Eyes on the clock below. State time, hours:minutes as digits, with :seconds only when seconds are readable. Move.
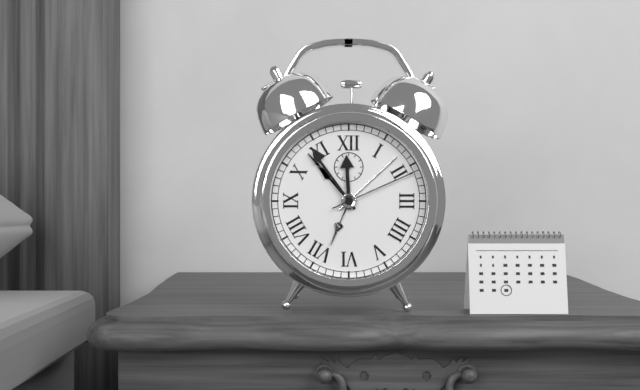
11:54:11
